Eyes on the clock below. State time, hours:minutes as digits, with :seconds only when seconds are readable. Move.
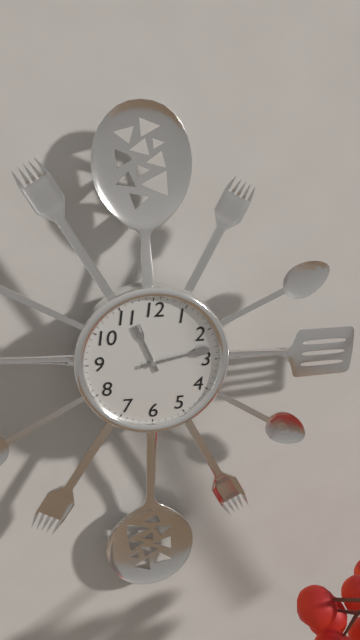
11:13
